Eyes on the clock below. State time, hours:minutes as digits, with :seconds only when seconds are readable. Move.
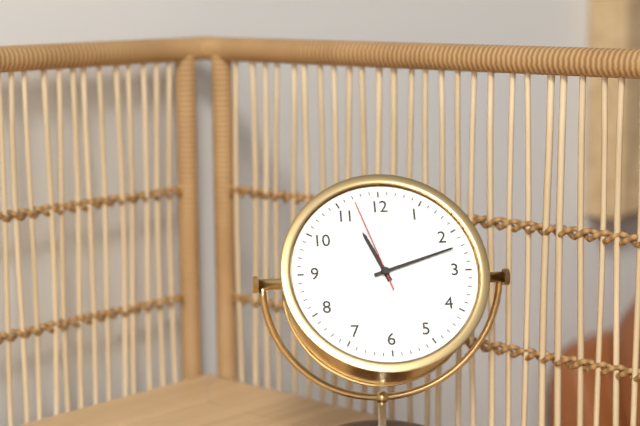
11:12:57
